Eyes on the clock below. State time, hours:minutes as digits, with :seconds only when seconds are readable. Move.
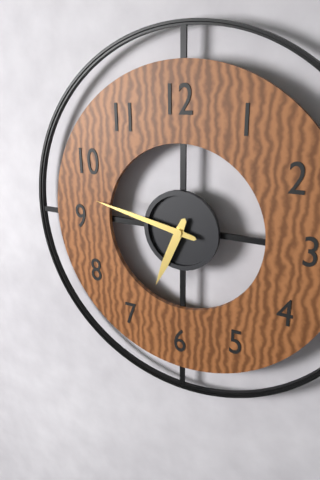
6:47
